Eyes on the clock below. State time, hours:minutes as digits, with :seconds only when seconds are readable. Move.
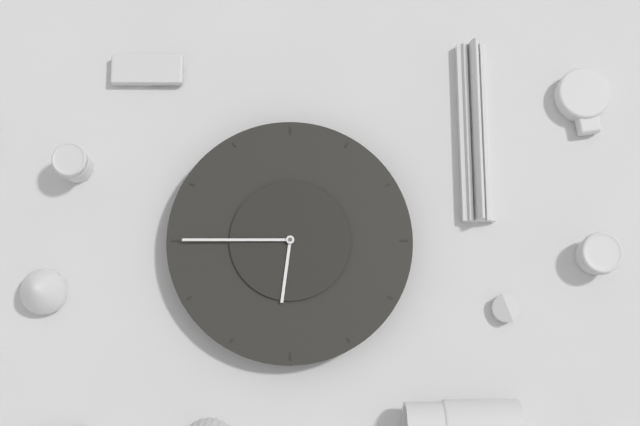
12:15
